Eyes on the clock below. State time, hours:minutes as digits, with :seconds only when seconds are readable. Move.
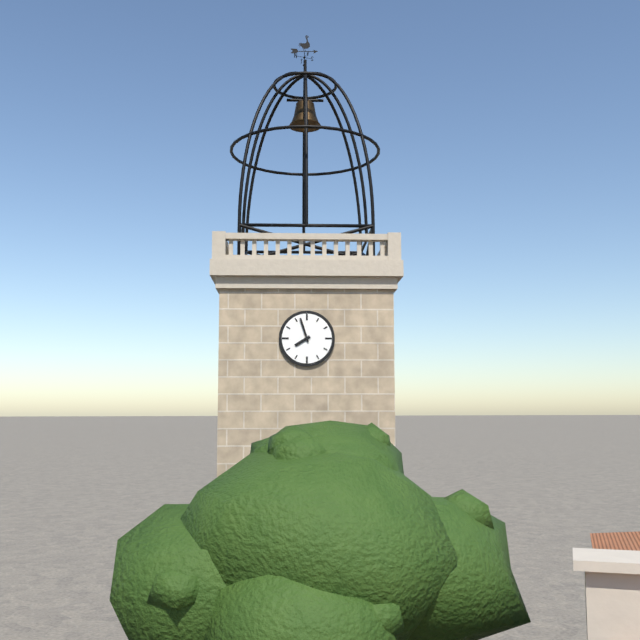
7:57
